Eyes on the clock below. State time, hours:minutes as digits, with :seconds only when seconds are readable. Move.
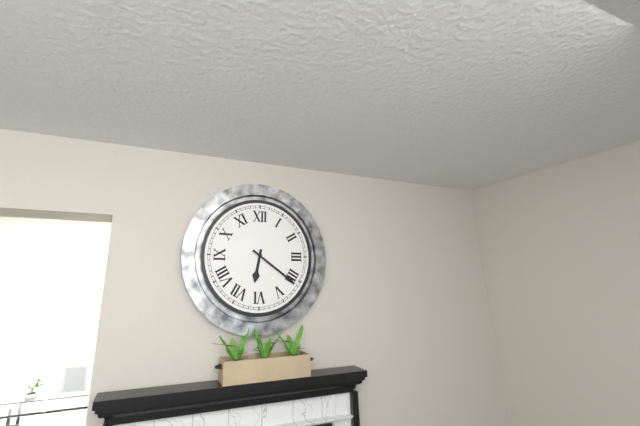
6:21
